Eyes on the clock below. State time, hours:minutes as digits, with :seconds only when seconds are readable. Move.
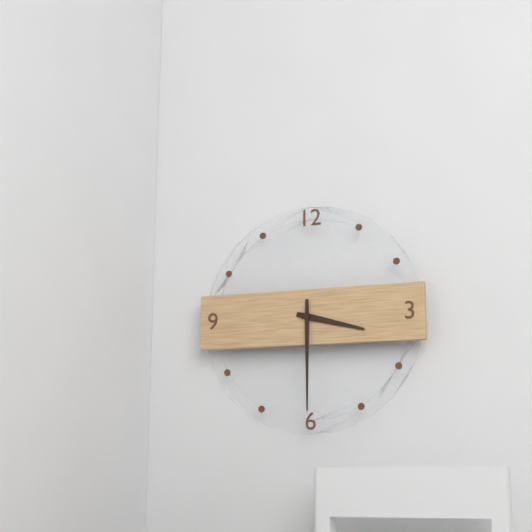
3:30
